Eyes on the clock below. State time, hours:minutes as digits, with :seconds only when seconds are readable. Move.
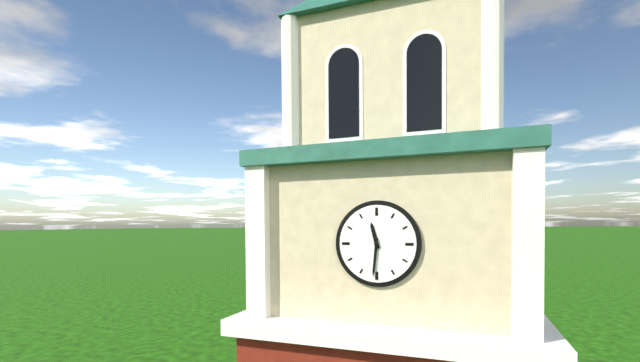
11:31
